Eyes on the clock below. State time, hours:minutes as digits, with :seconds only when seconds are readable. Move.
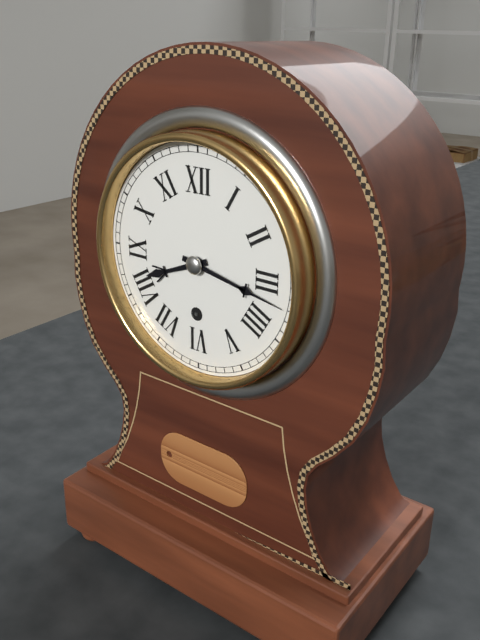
8:17
